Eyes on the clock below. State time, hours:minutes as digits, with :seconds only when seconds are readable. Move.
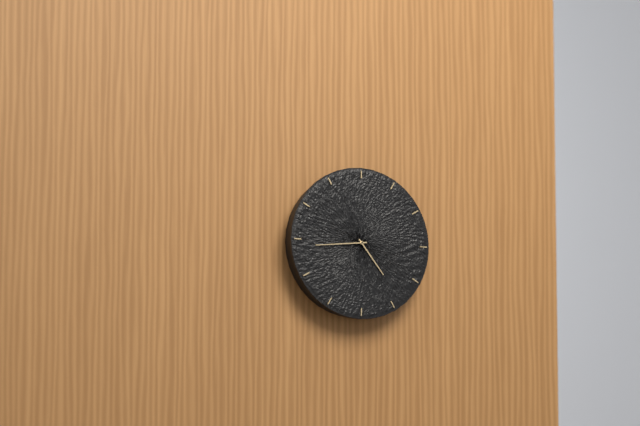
4:44
